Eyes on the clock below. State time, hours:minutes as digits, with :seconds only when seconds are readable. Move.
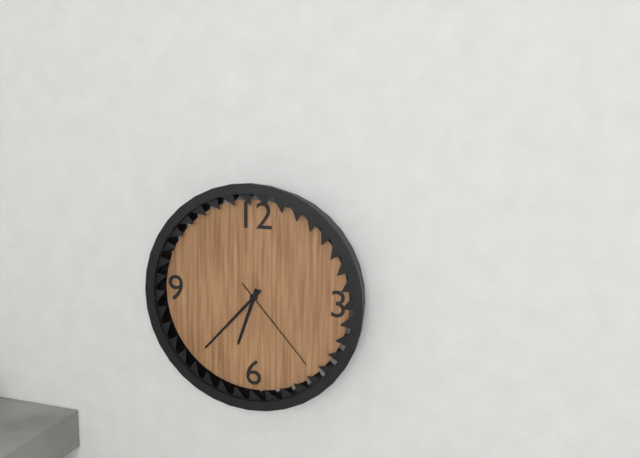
6:37:23
